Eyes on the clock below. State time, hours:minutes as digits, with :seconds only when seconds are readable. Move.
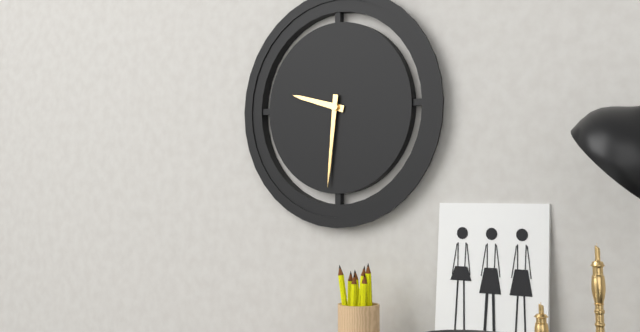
9:31
